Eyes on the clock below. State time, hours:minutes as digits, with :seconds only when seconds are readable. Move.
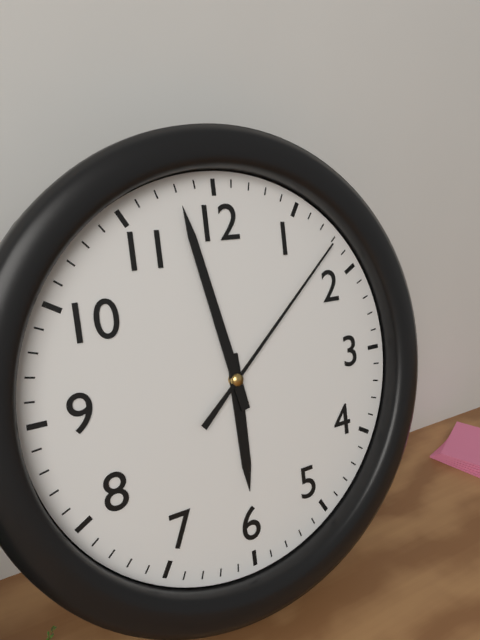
5:58:08
